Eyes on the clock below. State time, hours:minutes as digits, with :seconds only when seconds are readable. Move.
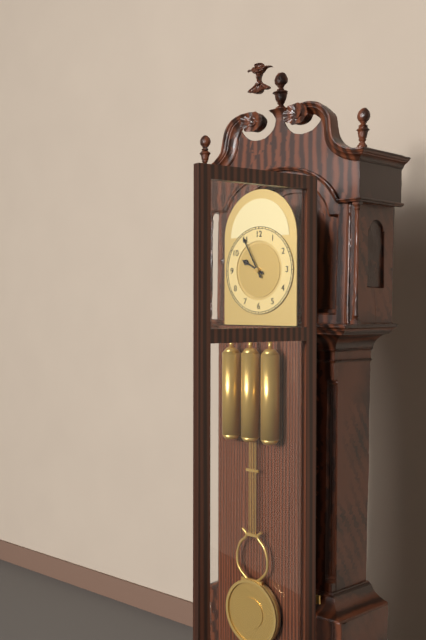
9:55
